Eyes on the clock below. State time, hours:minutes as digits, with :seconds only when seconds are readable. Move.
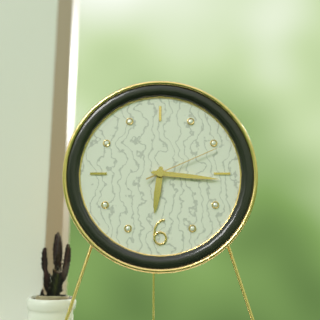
6:16:11
